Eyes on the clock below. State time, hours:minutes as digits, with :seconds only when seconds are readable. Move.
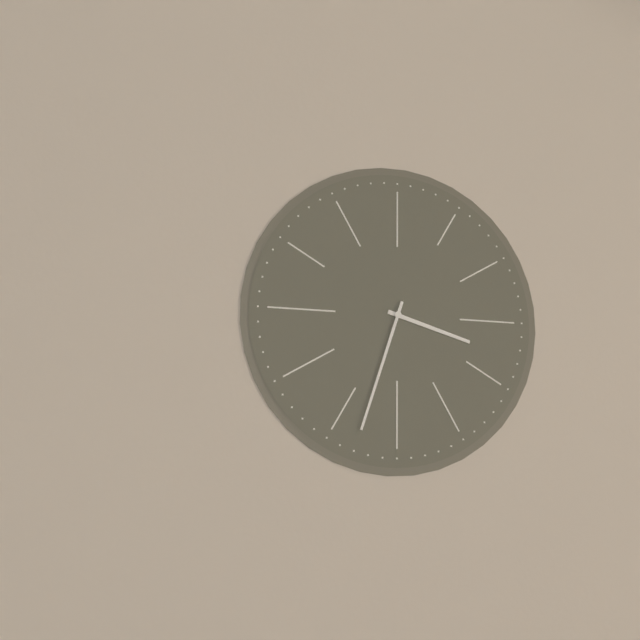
3:33
